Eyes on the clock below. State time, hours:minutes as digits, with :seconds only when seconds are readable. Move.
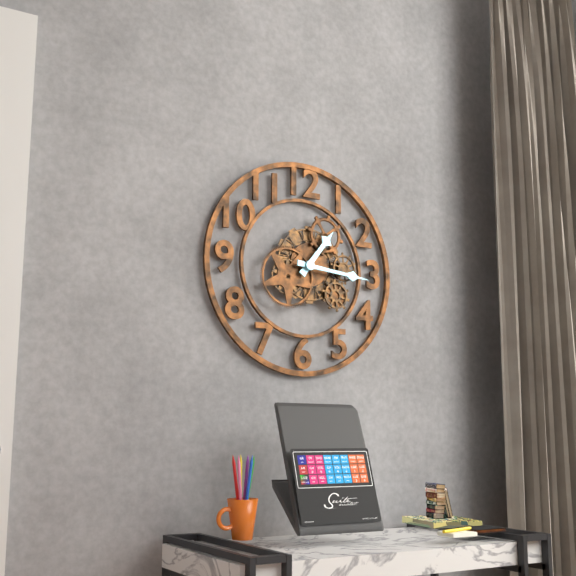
1:16
